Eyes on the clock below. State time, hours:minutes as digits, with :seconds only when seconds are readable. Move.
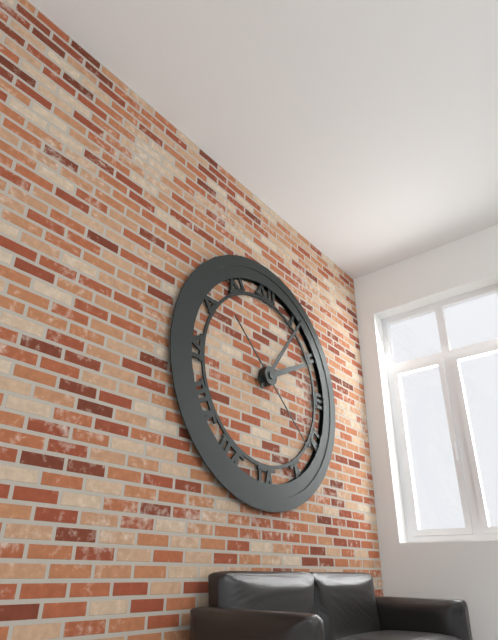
2:06:22
